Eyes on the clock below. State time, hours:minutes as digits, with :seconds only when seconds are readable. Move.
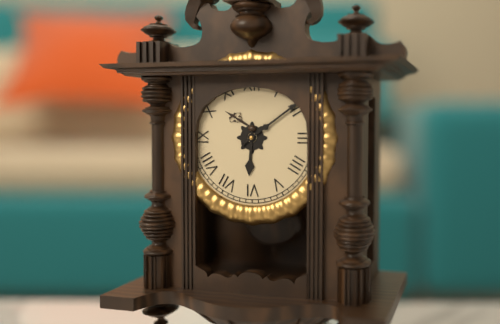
6:09
